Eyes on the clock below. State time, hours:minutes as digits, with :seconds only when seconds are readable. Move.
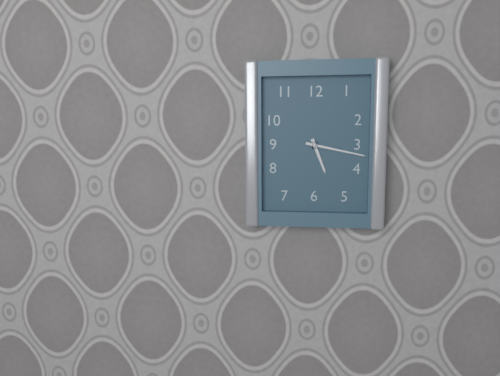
5:17
